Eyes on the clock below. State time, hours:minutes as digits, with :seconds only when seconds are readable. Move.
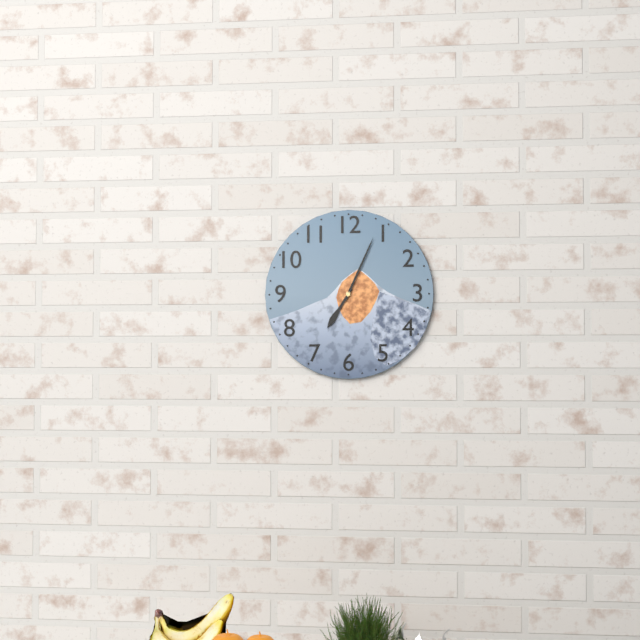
7:04
